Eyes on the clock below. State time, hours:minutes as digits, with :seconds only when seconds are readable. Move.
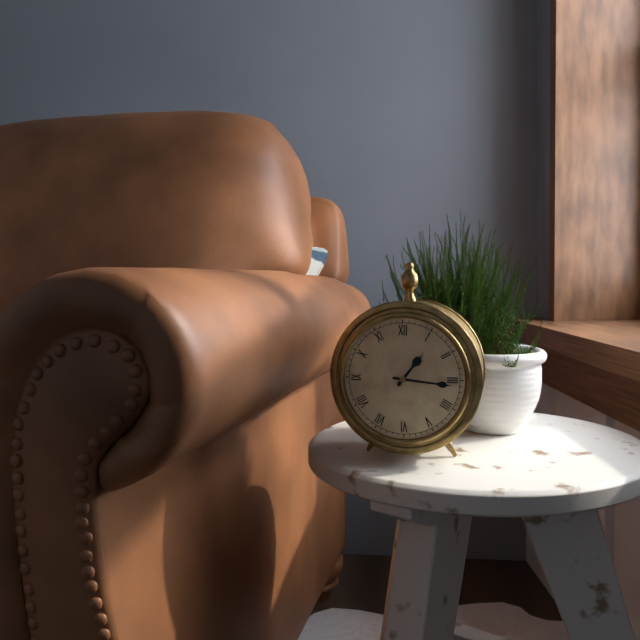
1:16
